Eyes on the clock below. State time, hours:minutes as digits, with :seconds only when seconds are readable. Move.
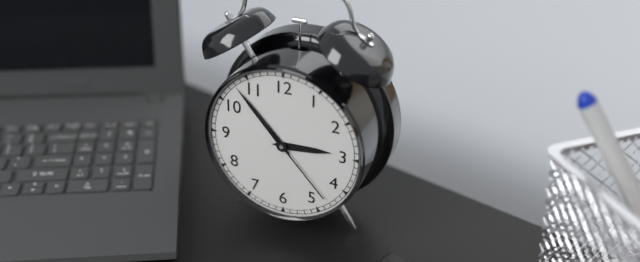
2:53:23
